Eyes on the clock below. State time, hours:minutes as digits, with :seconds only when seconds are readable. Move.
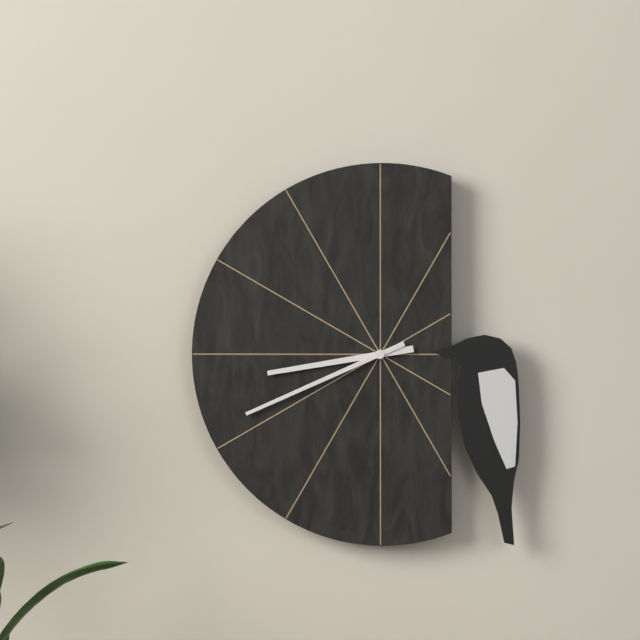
8:41
